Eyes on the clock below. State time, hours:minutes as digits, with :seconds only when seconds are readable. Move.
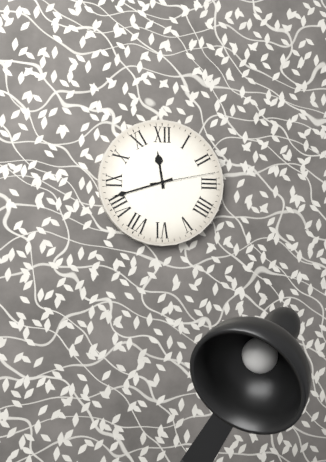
11:42:13
